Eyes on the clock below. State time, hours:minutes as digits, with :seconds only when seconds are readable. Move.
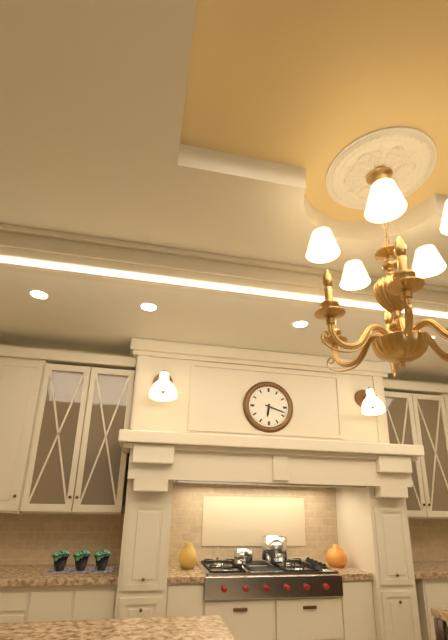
6:18
